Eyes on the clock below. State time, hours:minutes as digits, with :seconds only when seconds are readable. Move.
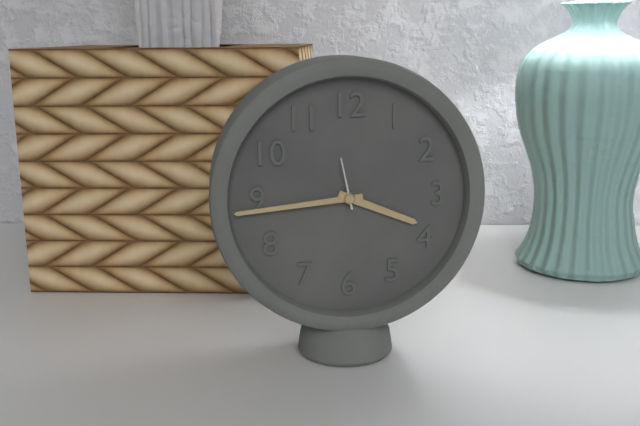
3:44:58
